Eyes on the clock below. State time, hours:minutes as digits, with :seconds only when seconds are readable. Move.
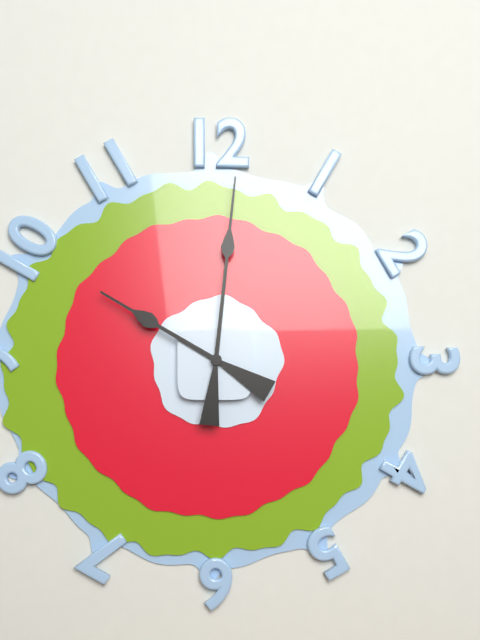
10:01
